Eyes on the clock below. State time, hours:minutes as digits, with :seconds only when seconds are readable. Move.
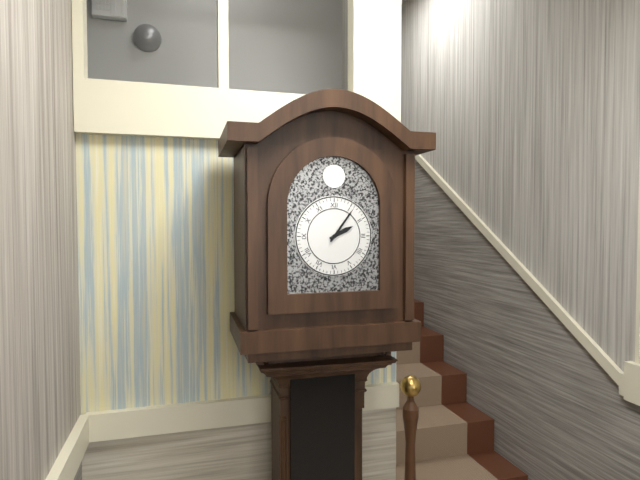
2:06
